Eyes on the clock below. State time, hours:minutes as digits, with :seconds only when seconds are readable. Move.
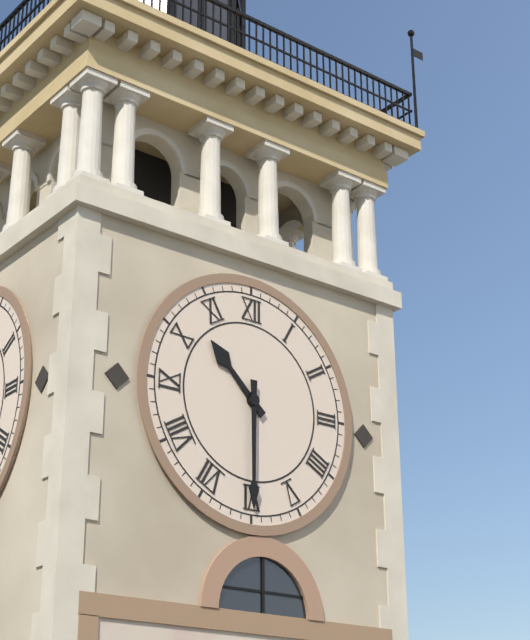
10:30
